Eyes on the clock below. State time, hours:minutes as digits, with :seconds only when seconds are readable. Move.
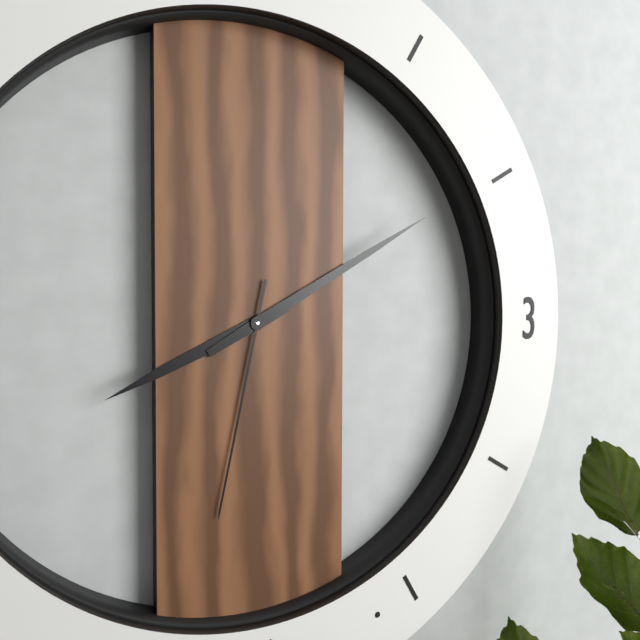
8:10:32
